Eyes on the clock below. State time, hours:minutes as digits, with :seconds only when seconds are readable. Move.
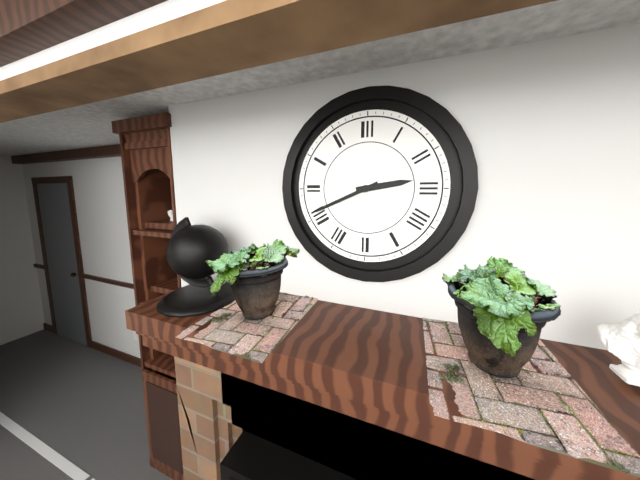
2:41
